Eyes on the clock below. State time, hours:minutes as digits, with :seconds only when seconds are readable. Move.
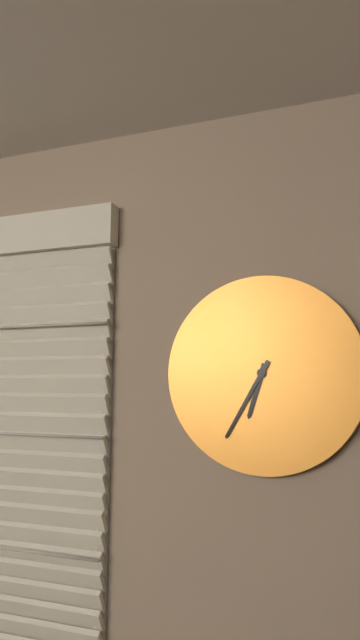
6:35
